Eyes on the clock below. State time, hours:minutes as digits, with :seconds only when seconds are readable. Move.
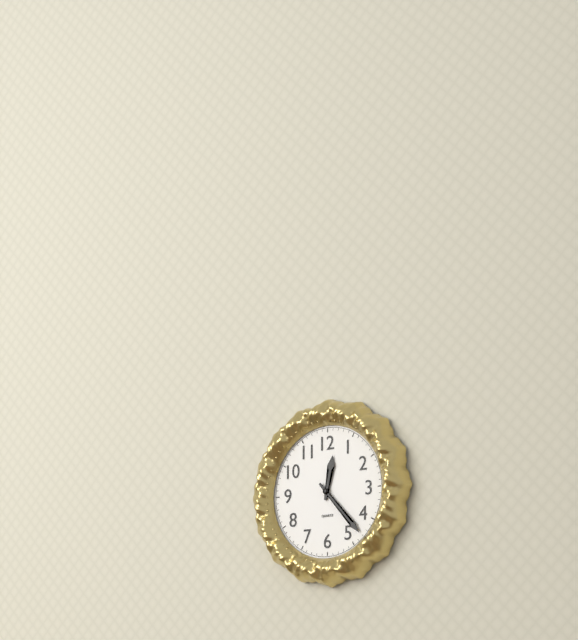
12:23
